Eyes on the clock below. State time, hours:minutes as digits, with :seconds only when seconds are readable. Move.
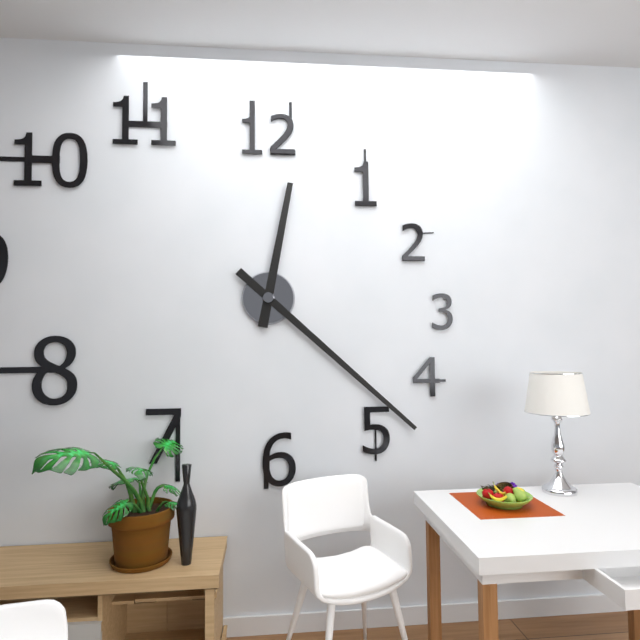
12:22
